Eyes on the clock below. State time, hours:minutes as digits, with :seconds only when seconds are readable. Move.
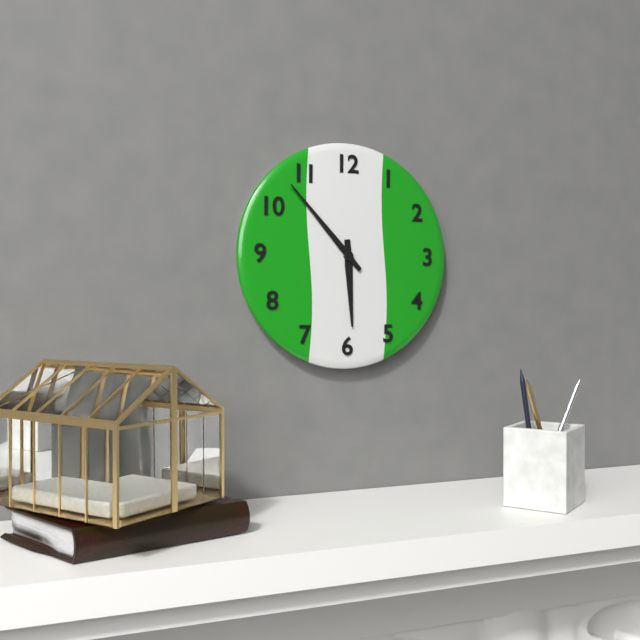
5:53
